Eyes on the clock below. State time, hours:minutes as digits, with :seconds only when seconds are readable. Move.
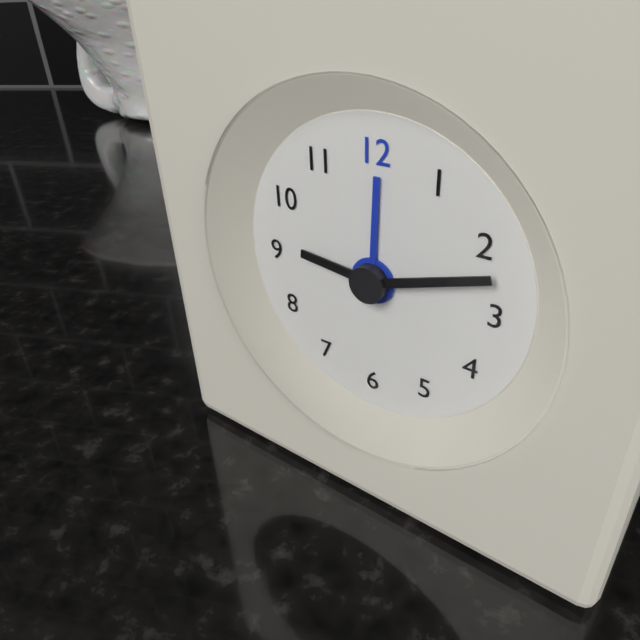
9:12
